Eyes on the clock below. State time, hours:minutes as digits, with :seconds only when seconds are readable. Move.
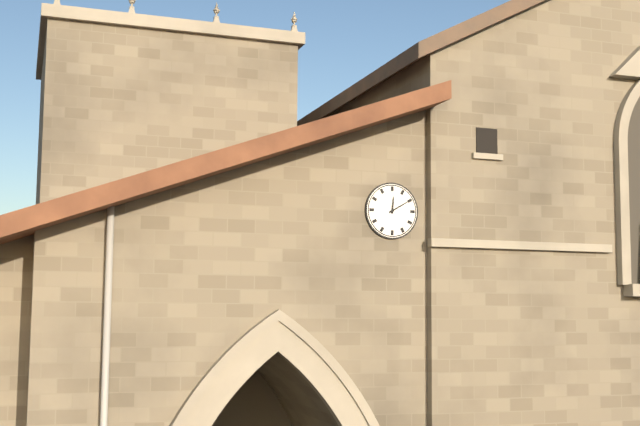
12:10
